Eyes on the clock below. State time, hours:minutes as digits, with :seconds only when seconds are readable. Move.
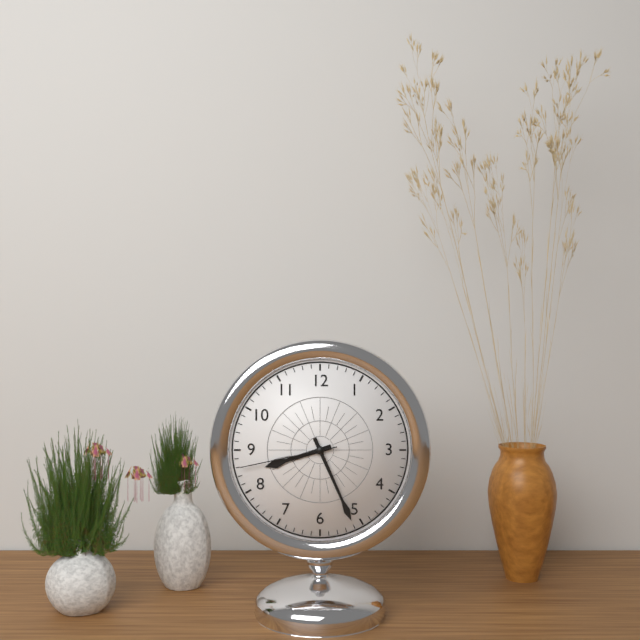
8:26:43
